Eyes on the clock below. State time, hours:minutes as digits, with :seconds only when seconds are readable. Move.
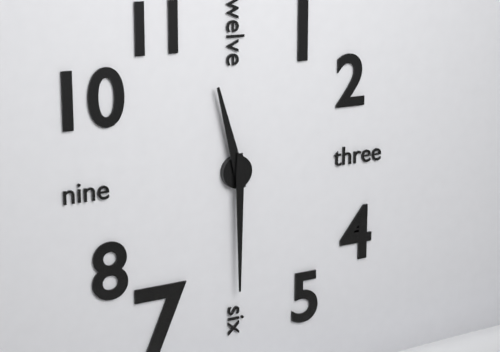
11:30
